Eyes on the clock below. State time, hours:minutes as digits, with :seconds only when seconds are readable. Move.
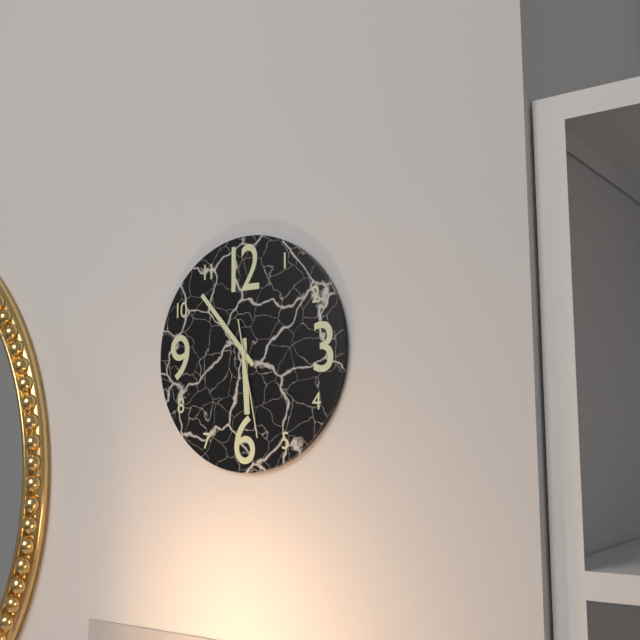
5:53:28
